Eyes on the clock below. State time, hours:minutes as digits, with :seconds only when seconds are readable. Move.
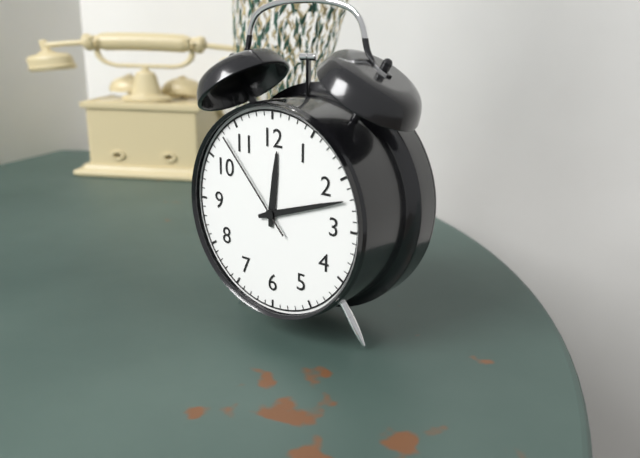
12:12:53
